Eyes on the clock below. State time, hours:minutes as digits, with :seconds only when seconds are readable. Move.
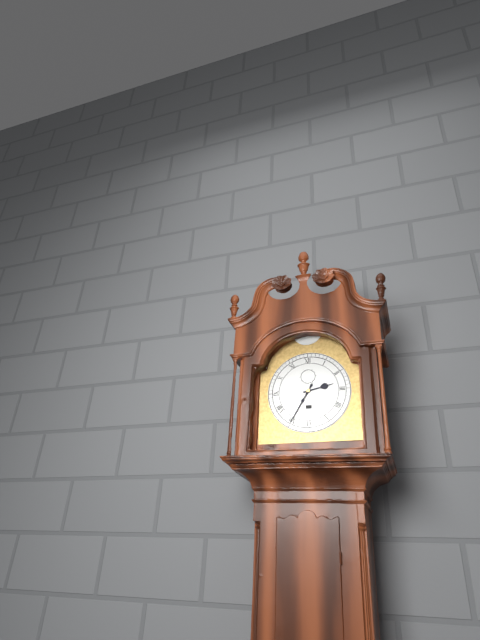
2:35
